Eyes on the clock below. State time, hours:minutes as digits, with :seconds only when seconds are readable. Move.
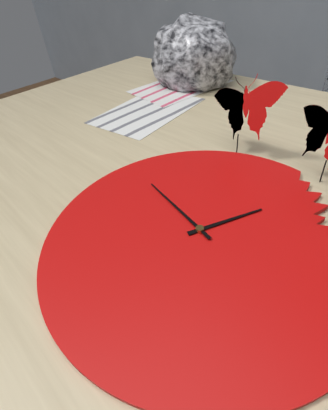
12:47
